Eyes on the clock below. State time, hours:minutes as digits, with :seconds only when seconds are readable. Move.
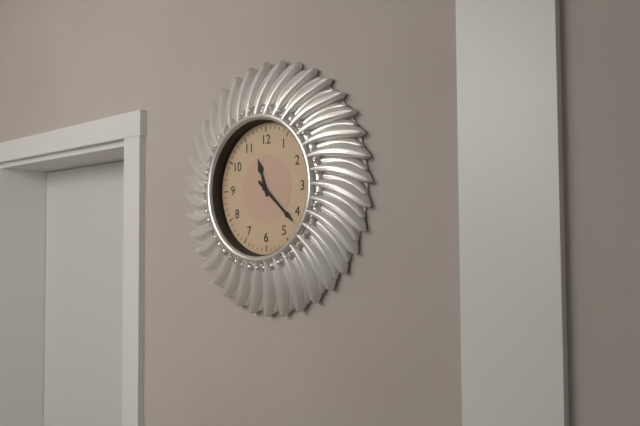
11:22
